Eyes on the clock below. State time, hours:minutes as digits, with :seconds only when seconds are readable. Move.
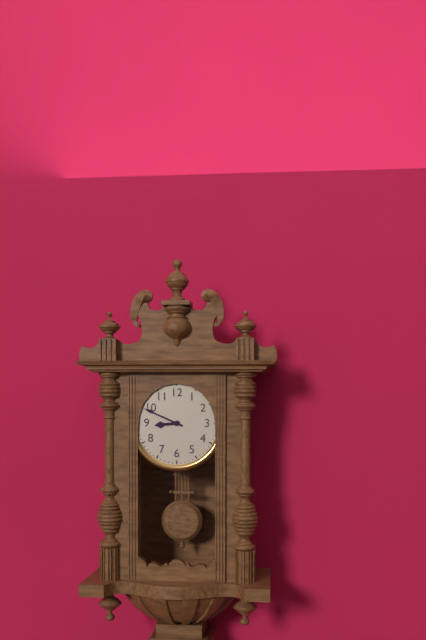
8:49
